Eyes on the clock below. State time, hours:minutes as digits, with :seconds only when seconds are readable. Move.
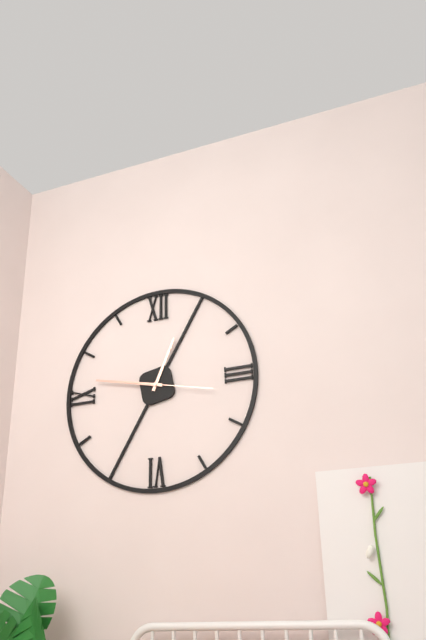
12:47:17
